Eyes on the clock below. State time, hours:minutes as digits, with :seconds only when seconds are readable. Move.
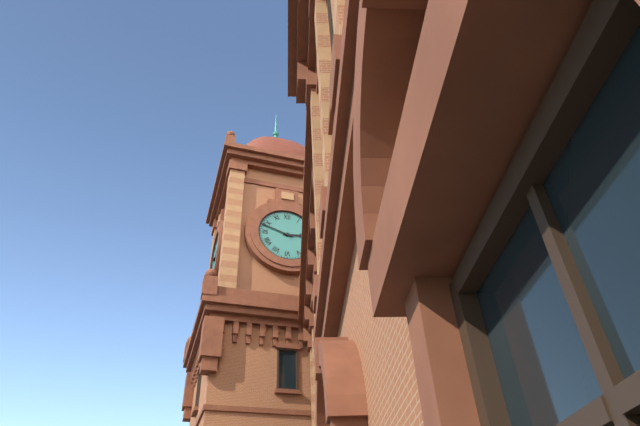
2:48
